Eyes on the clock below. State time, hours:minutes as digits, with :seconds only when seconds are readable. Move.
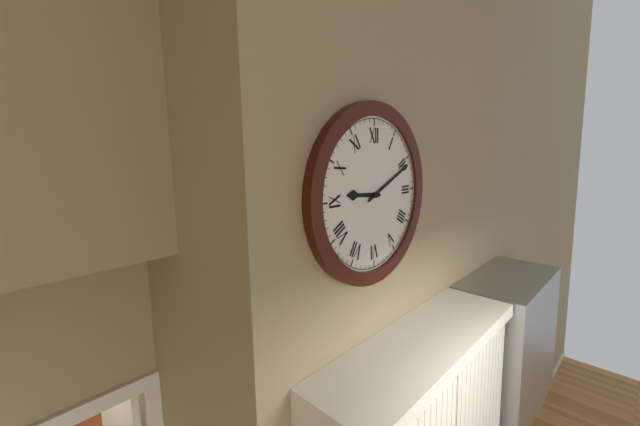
9:11
